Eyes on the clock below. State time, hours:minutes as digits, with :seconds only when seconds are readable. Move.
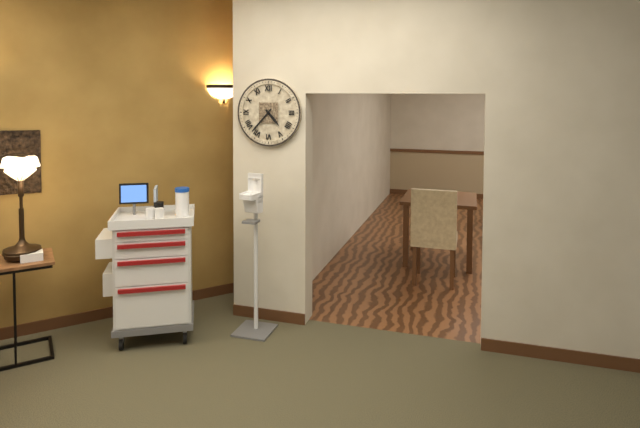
4:37
